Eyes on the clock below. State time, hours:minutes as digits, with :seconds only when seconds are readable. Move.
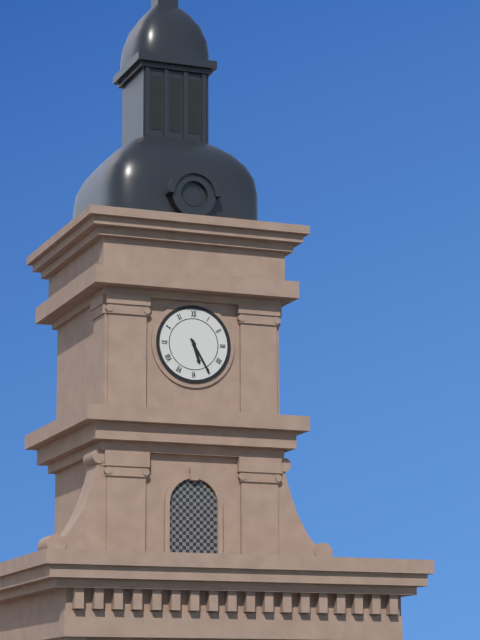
5:25
